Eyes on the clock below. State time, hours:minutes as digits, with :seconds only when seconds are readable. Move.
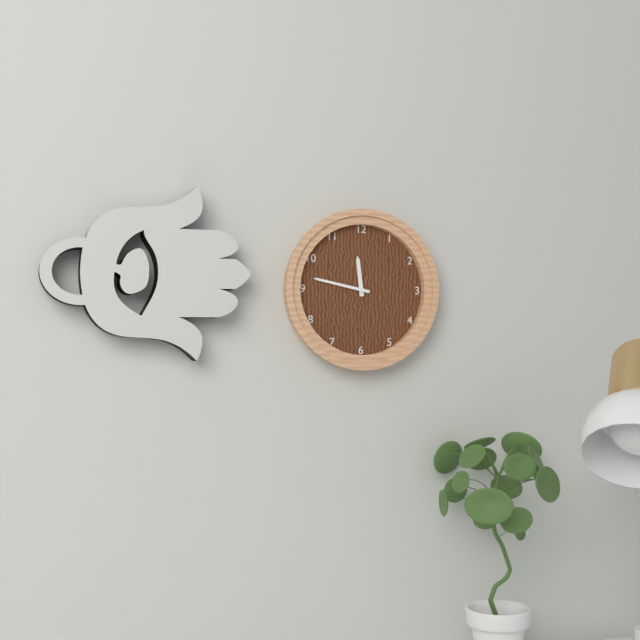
11:47
